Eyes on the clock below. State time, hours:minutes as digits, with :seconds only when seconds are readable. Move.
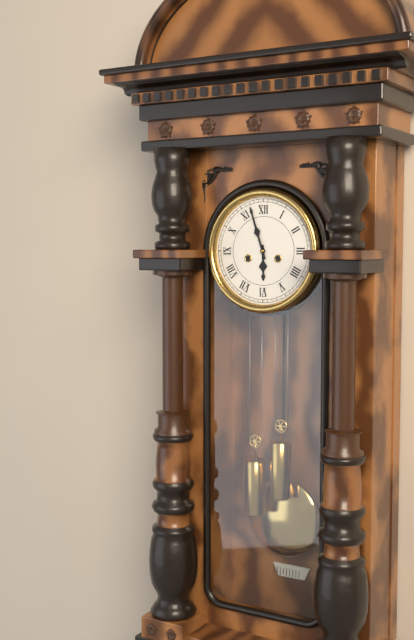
5:57
